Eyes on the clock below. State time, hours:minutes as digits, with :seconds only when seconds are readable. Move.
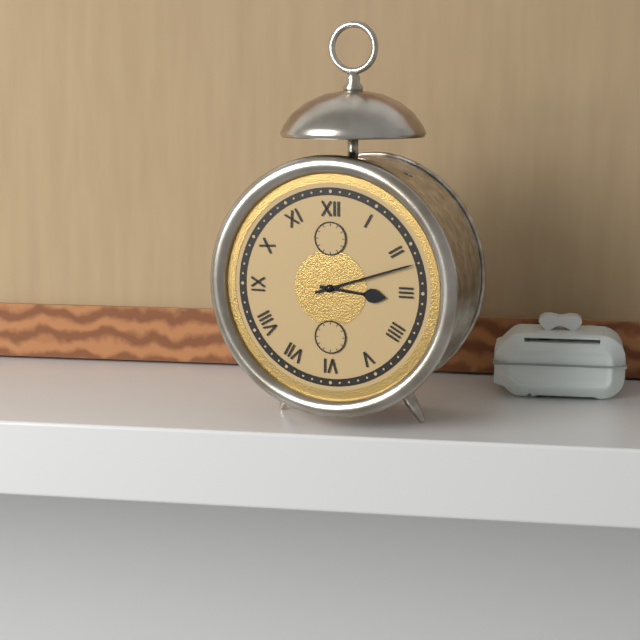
3:12
